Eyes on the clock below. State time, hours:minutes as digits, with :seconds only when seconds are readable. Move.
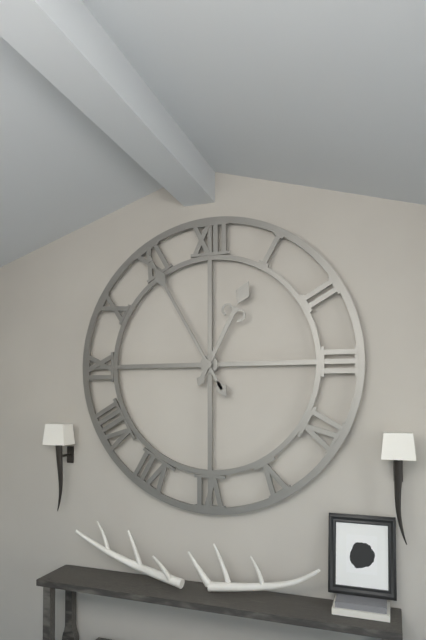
12:55
